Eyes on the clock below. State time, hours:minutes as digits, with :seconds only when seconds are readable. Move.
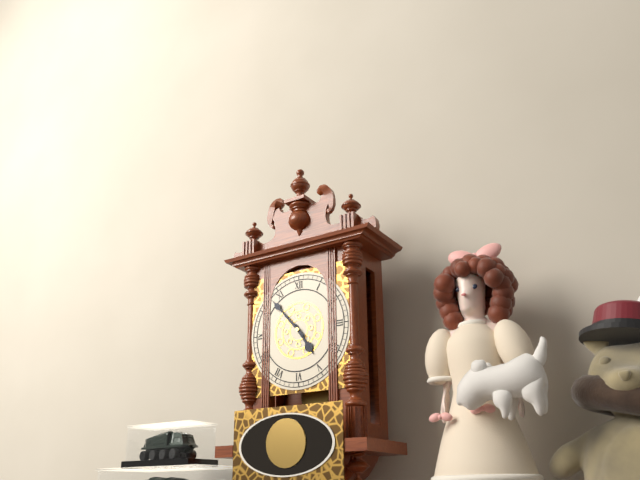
4:53
